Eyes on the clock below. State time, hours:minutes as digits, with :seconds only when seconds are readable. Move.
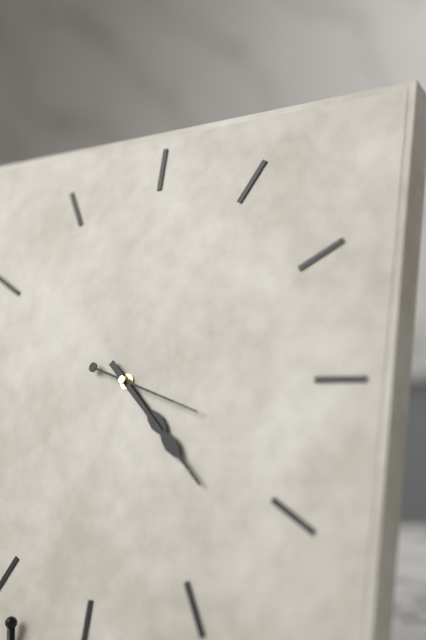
4:22:18
